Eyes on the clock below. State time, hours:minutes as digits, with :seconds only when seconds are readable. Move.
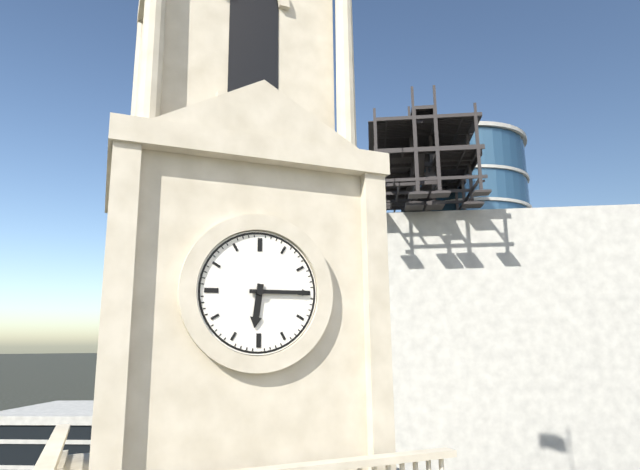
6:15
